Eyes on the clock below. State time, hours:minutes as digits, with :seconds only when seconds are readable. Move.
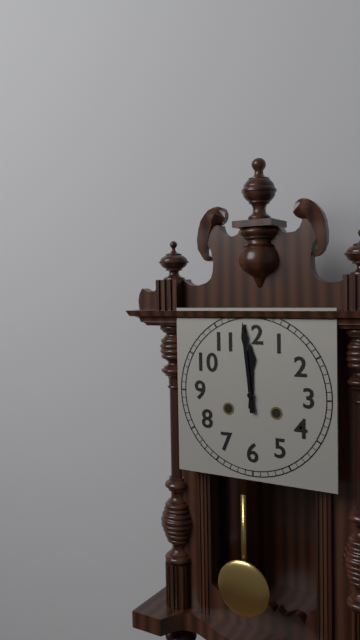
11:59
